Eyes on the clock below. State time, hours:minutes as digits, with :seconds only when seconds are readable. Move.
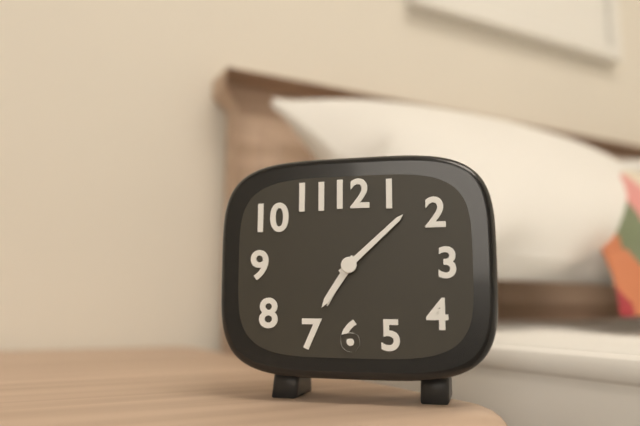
7:08
